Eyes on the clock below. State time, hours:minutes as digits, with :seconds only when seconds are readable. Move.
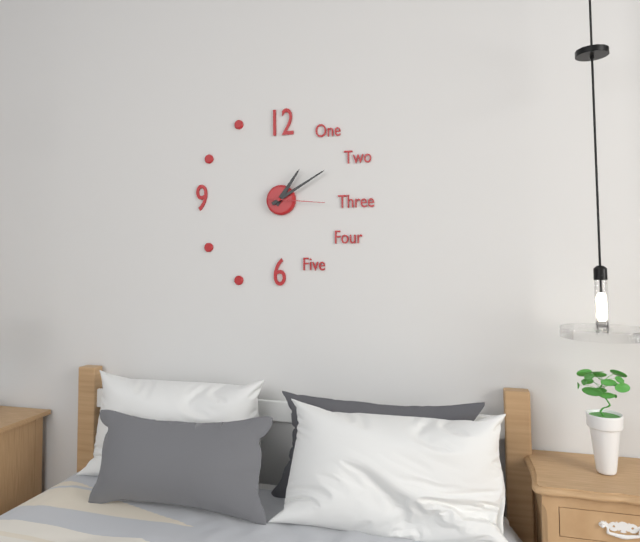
1:10:16
